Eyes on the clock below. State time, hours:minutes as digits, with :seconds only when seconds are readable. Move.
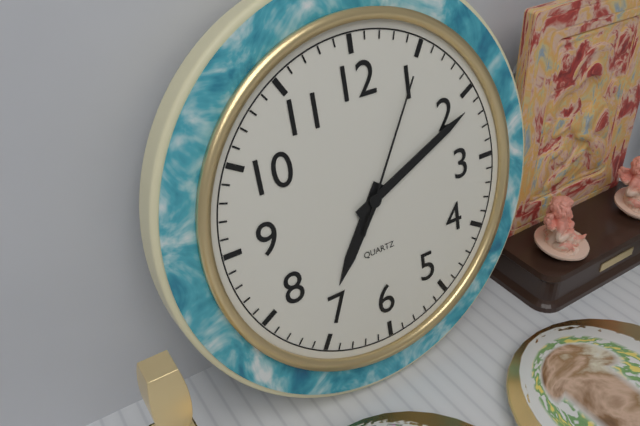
7:11:05
